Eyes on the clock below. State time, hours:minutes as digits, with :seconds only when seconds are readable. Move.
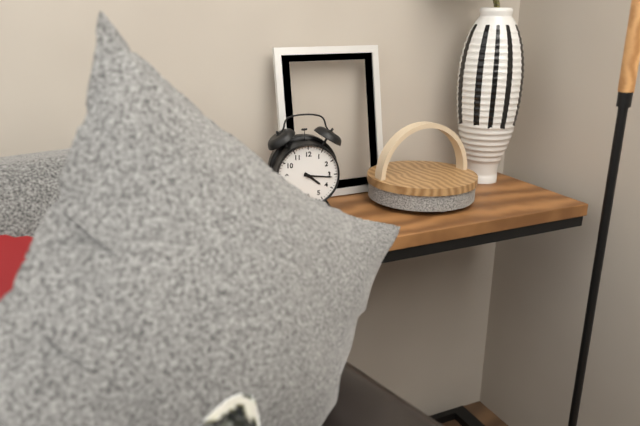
4:16
